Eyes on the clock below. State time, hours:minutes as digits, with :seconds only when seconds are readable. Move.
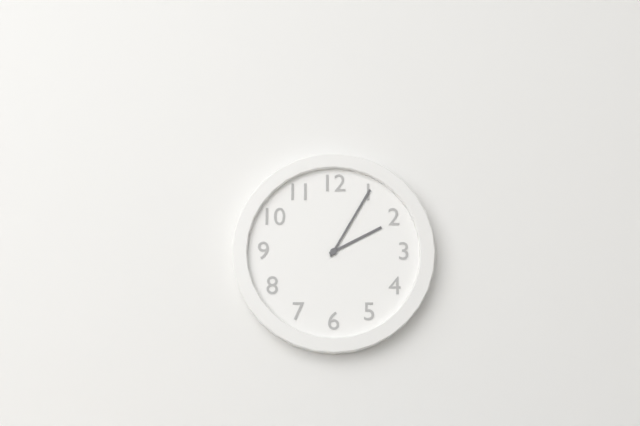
2:05
